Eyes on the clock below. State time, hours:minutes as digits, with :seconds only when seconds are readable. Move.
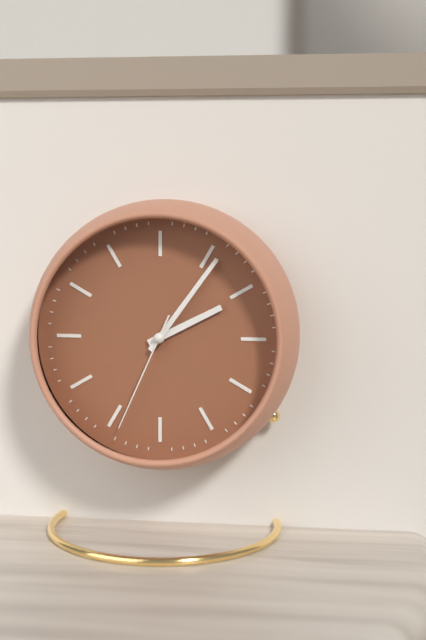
2:06:34
